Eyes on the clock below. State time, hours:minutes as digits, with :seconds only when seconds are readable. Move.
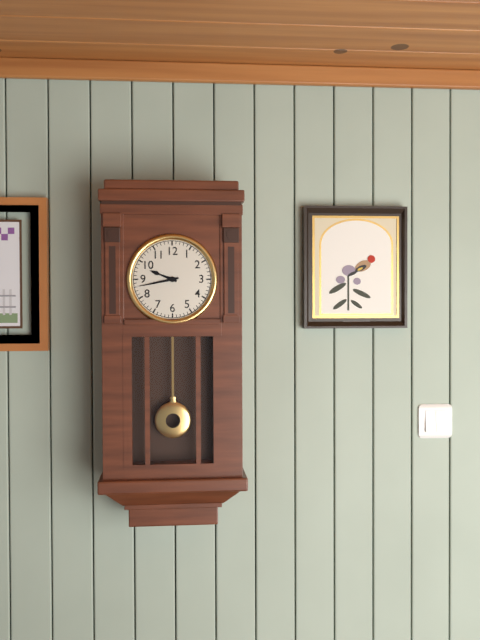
9:43
